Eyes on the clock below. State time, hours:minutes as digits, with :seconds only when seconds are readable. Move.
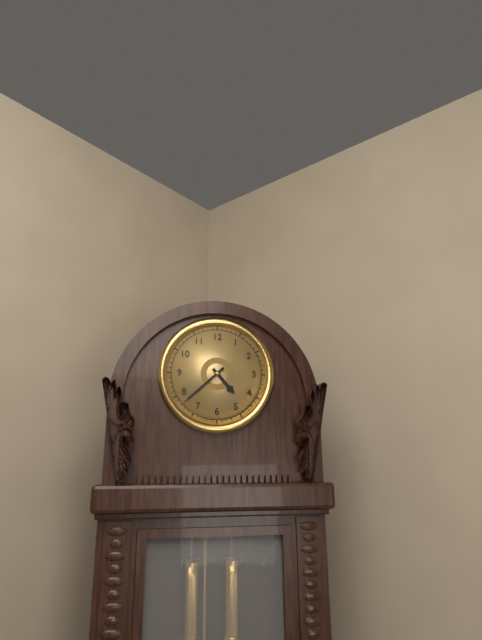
4:38
